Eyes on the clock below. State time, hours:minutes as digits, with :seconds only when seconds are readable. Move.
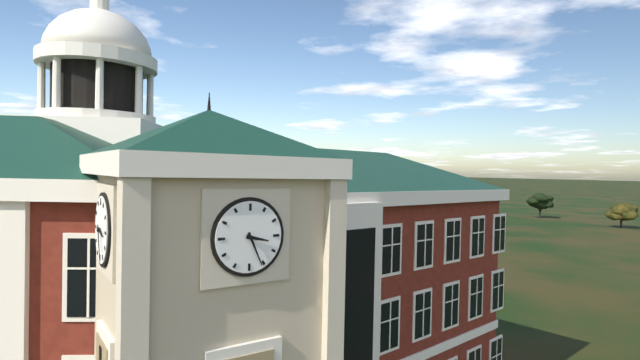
3:26
